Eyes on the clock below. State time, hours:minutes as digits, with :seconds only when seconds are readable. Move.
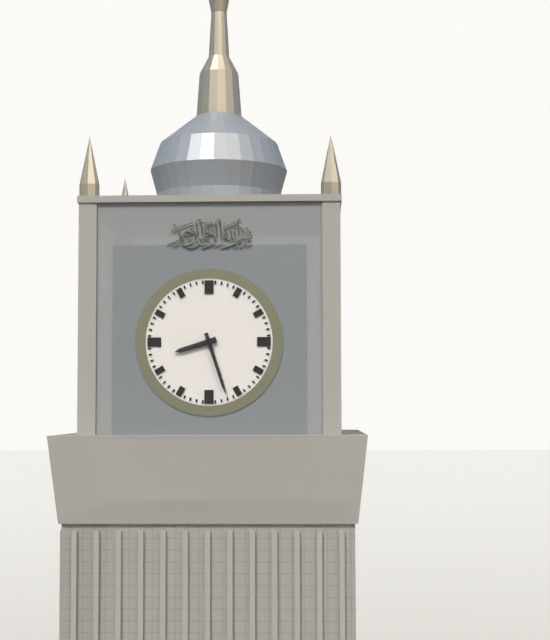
8:27
